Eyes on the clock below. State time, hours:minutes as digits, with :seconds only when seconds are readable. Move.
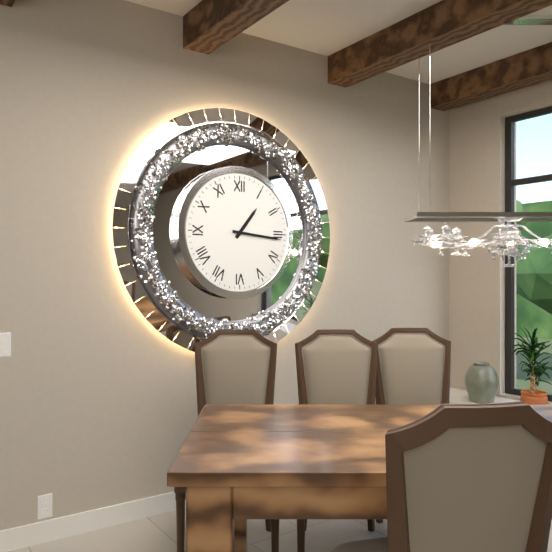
1:16
